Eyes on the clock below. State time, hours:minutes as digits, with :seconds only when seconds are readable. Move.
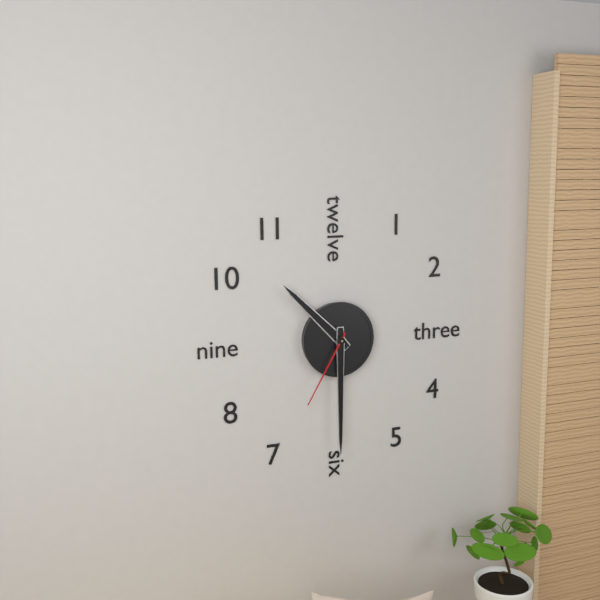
10:30:35
